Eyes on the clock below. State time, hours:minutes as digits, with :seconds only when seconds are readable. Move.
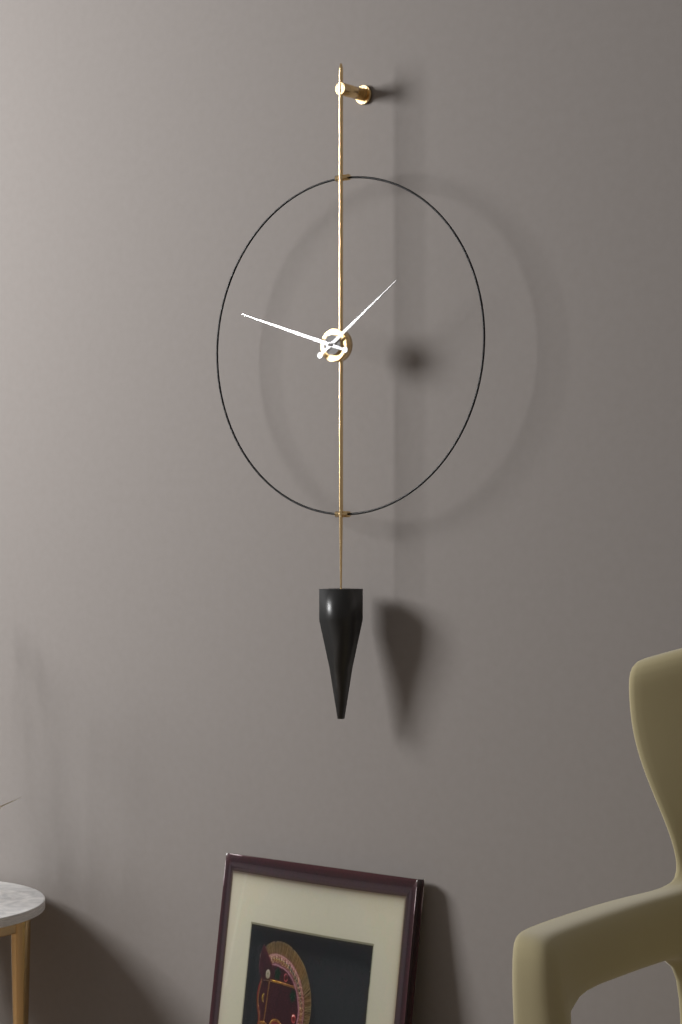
1:48
